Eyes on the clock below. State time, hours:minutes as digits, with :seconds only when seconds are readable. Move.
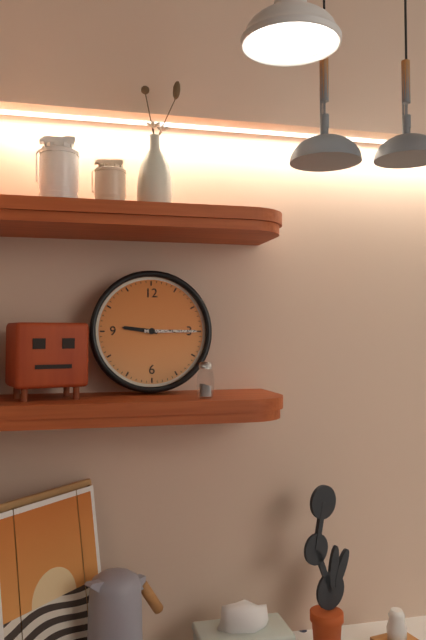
9:15
